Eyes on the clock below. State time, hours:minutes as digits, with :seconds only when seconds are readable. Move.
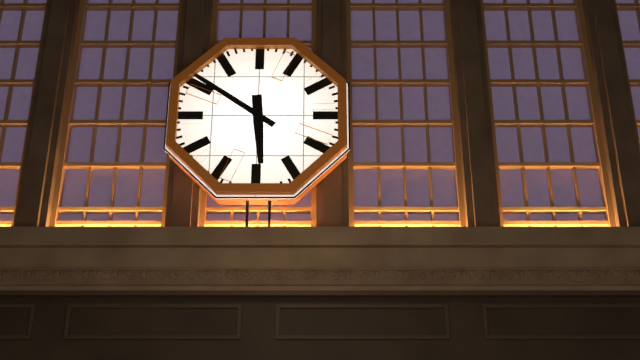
5:51
